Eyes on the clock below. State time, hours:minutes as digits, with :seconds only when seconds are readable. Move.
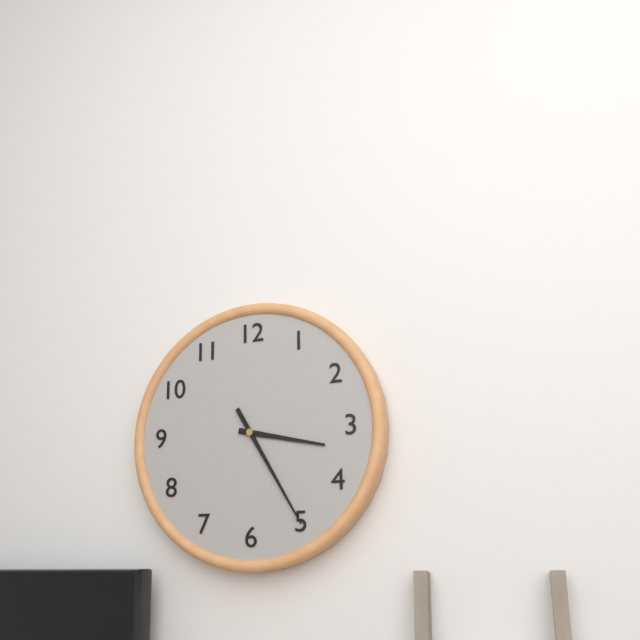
3:25
